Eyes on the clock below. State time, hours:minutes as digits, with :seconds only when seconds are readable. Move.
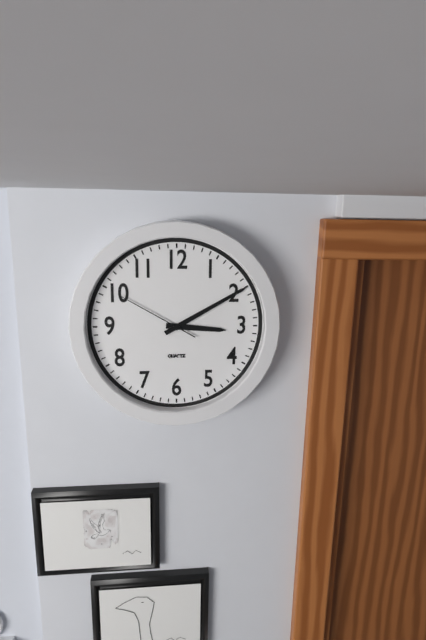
3:10:50
